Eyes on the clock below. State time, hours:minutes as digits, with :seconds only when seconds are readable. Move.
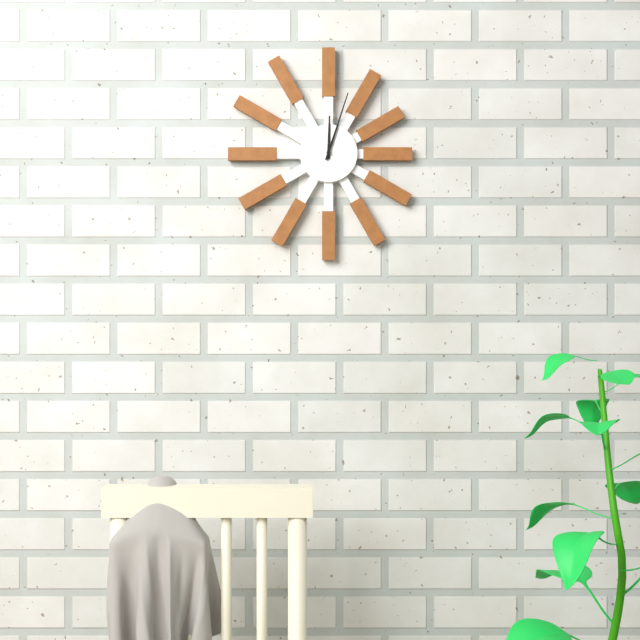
12:03
